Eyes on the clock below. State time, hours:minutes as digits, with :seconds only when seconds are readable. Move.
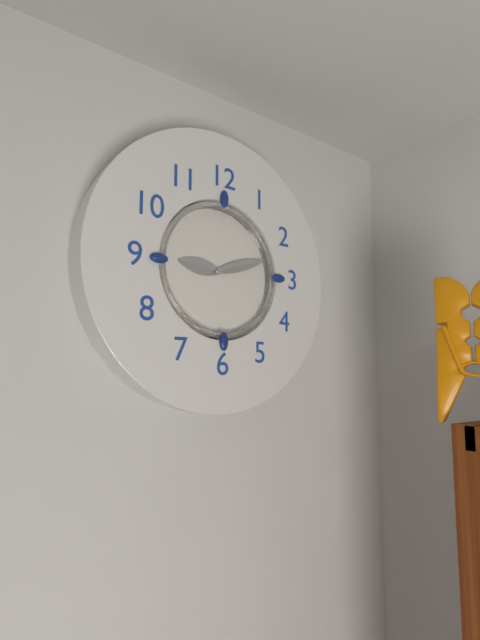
9:12
